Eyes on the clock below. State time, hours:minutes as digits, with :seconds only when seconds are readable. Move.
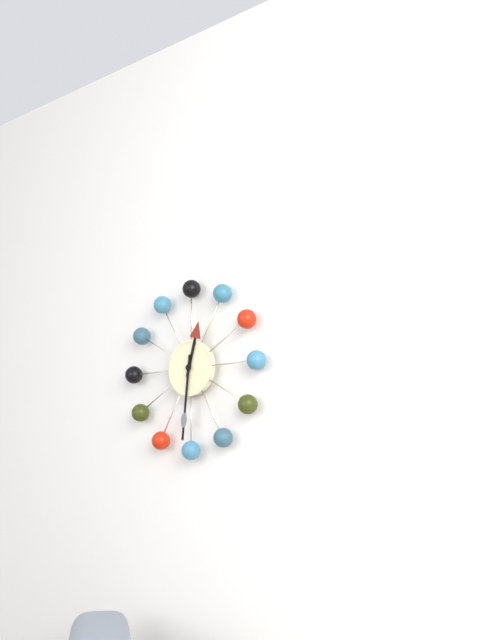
12:31
